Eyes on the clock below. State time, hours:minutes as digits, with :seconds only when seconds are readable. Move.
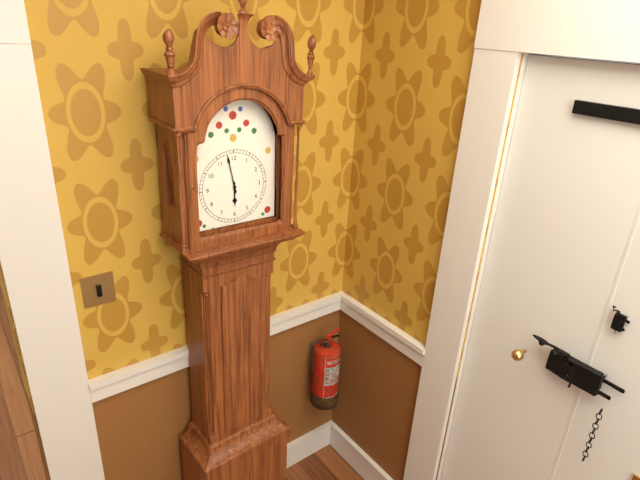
5:58
